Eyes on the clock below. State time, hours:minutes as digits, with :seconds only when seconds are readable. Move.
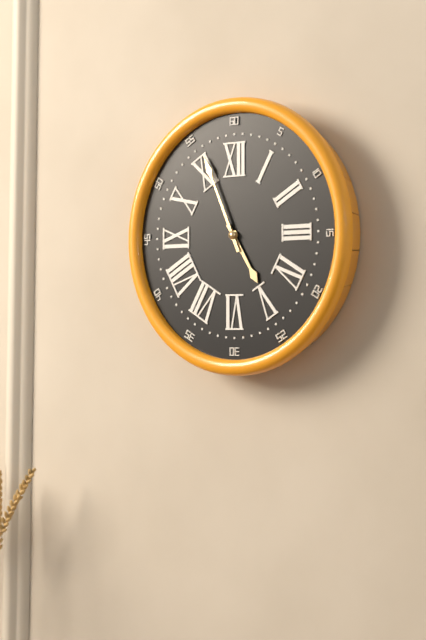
4:56
